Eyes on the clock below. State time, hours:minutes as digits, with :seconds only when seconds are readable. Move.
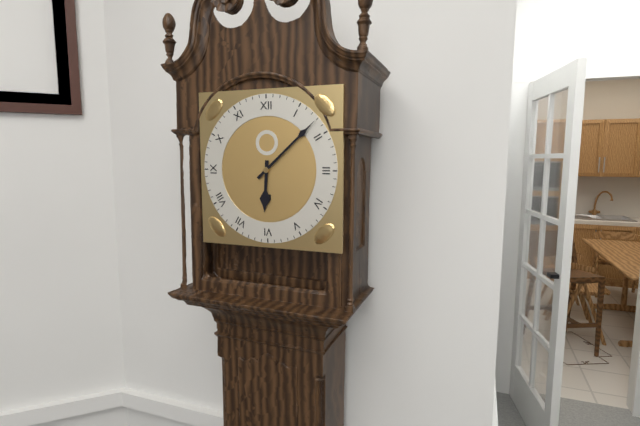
6:08
